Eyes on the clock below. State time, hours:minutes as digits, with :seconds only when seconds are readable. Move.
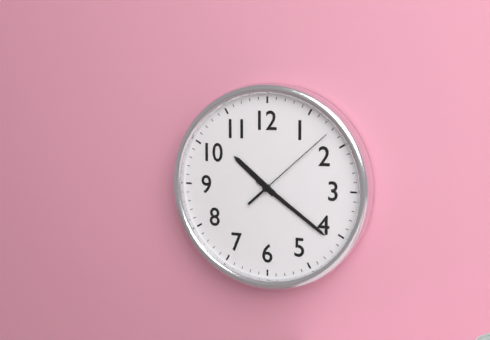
10:21:08
